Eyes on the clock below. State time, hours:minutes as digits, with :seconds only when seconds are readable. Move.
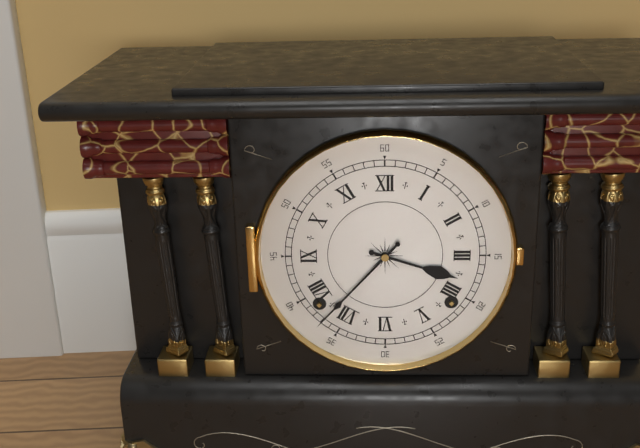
3:37
